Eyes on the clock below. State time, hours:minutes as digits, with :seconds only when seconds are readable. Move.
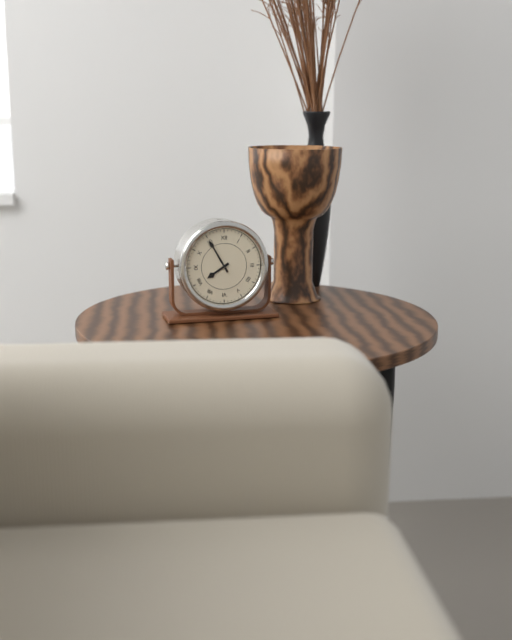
7:55
